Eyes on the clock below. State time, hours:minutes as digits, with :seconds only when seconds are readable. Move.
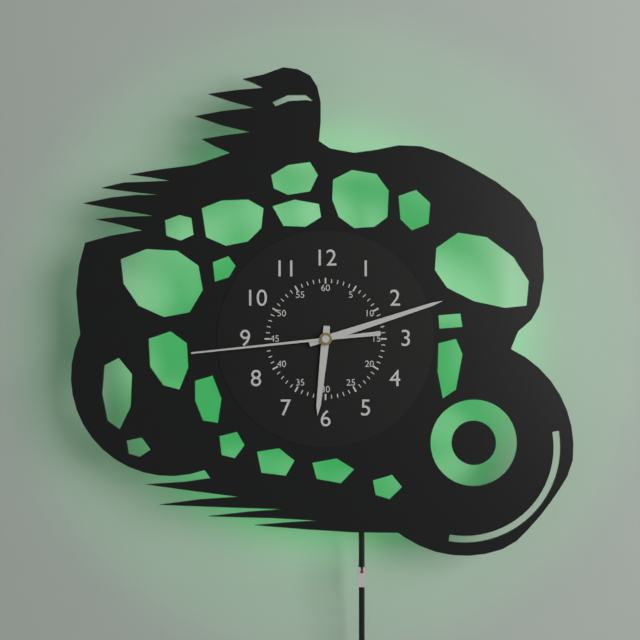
6:12:44
